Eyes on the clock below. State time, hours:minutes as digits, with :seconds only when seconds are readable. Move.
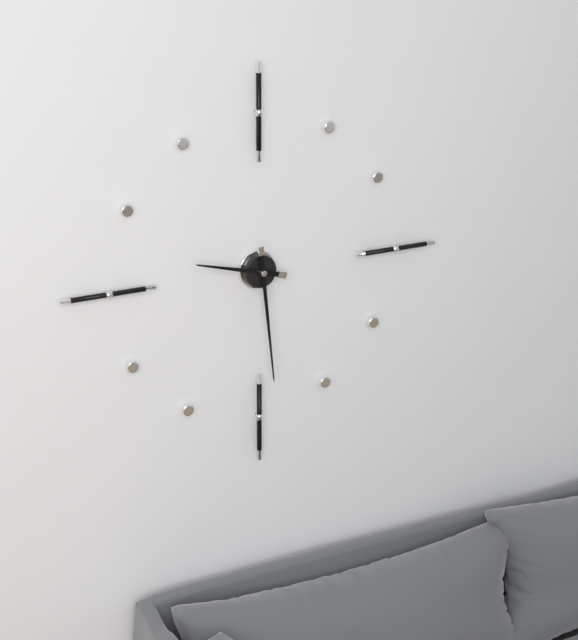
9:29
